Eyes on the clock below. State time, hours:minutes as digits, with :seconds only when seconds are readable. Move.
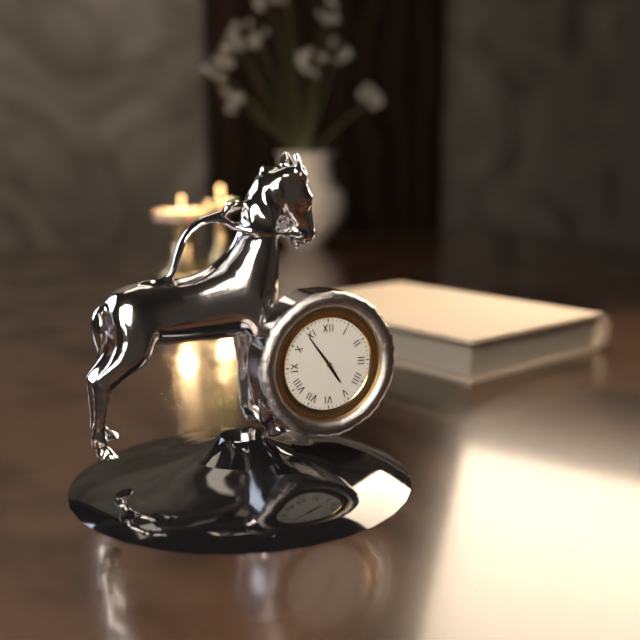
4:54
